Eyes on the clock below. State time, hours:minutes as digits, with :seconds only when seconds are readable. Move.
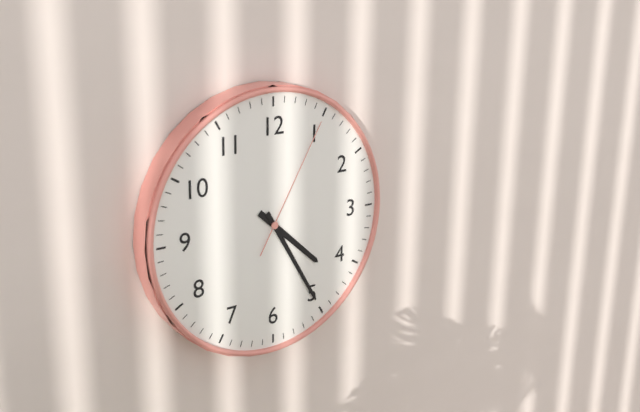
4:25:05
